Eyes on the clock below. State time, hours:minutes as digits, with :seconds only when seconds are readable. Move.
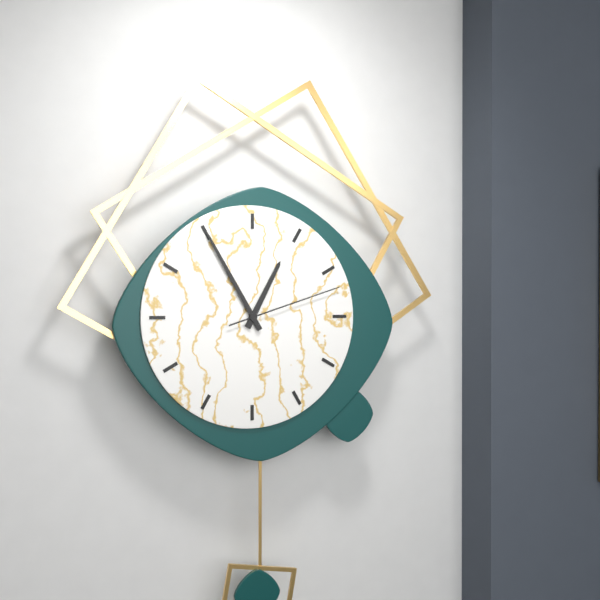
12:55:12
